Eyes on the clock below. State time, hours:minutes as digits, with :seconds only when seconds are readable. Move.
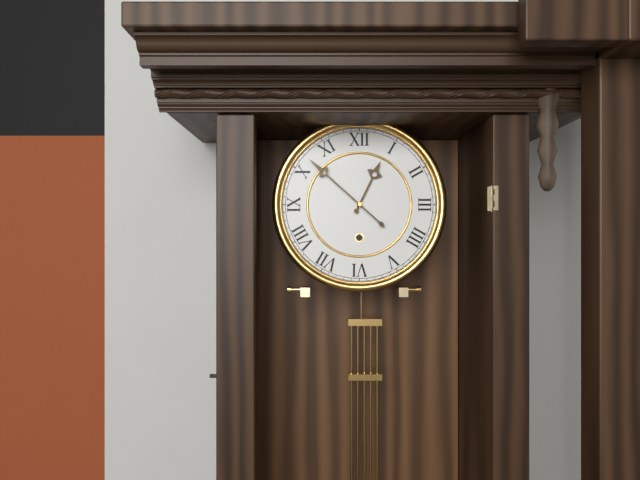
12:52
